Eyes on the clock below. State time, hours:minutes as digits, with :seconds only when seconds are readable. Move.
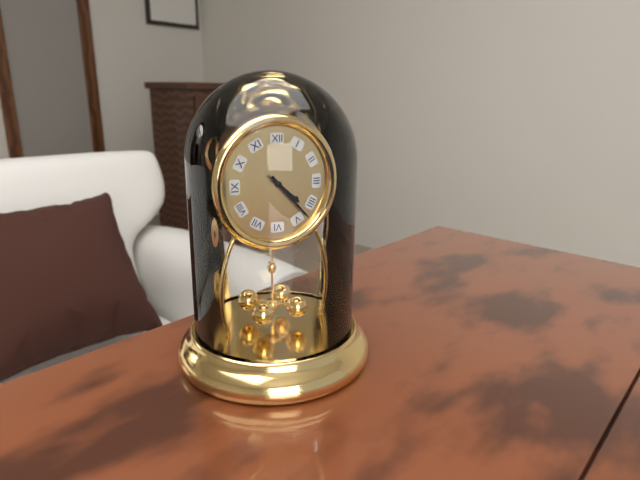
4:23
